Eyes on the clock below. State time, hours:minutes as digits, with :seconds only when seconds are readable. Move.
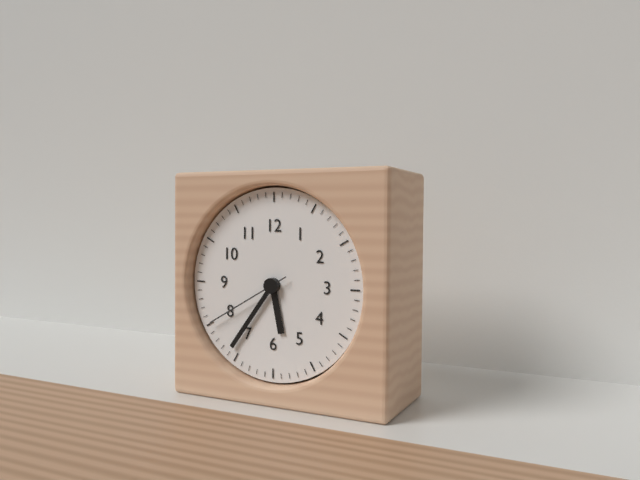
5:36:40
